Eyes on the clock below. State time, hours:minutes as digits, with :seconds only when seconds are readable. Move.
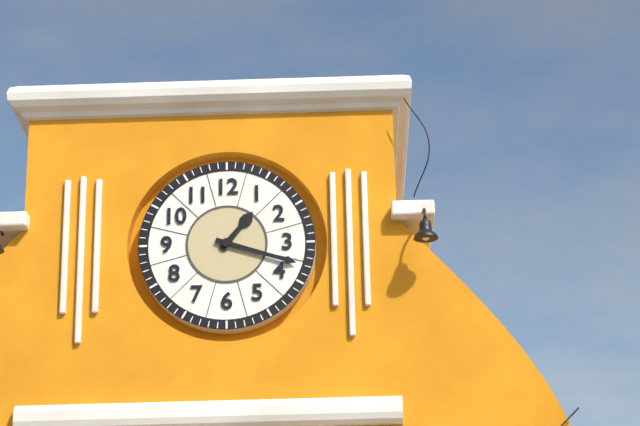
1:18
